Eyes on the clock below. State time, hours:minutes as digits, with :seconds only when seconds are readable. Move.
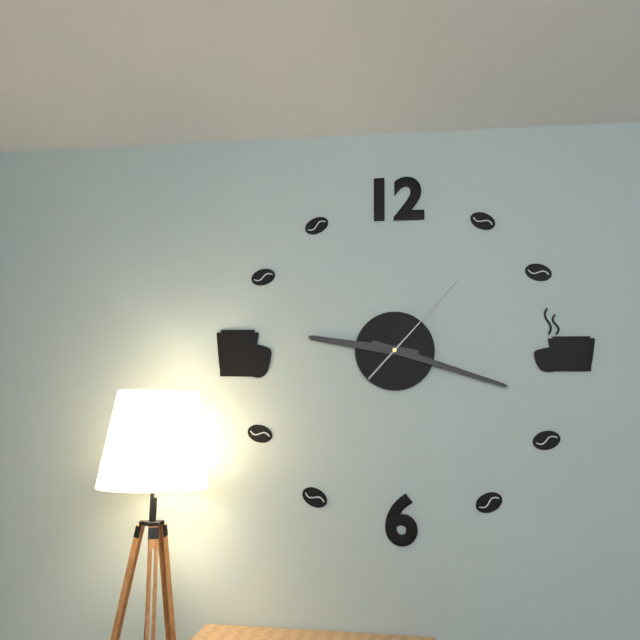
9:18:07
